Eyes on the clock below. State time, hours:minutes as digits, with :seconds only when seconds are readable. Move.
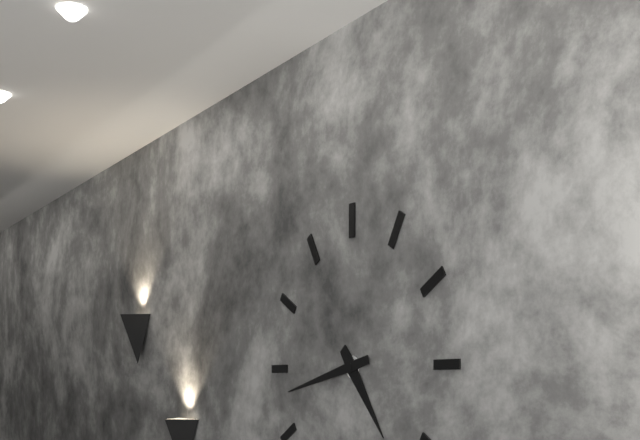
4:43
